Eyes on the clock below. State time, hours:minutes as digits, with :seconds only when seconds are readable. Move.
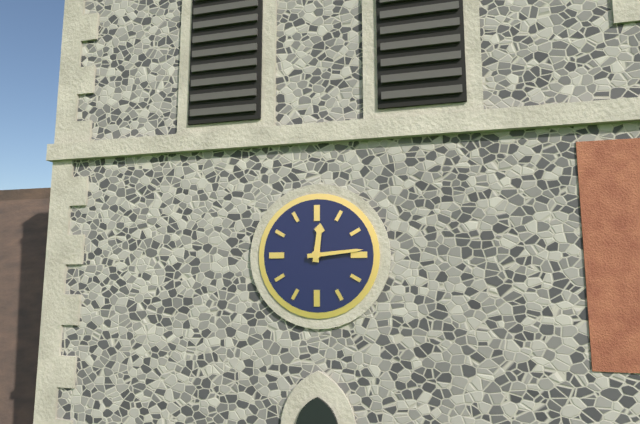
12:14
